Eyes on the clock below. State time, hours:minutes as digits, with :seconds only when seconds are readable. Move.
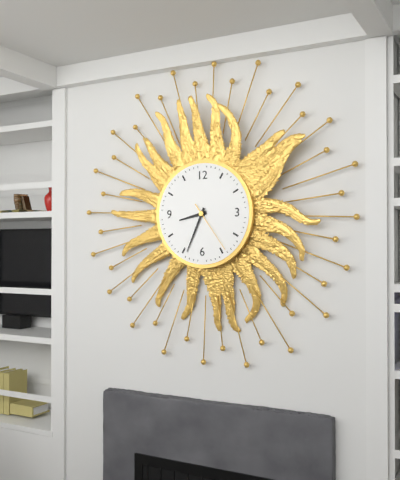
8:34:24
